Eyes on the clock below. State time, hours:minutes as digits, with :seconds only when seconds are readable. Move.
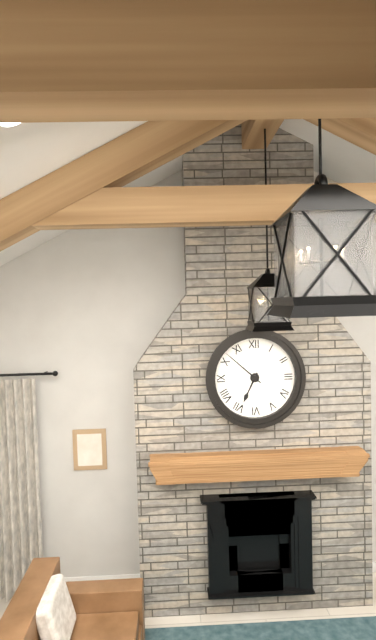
6:52
